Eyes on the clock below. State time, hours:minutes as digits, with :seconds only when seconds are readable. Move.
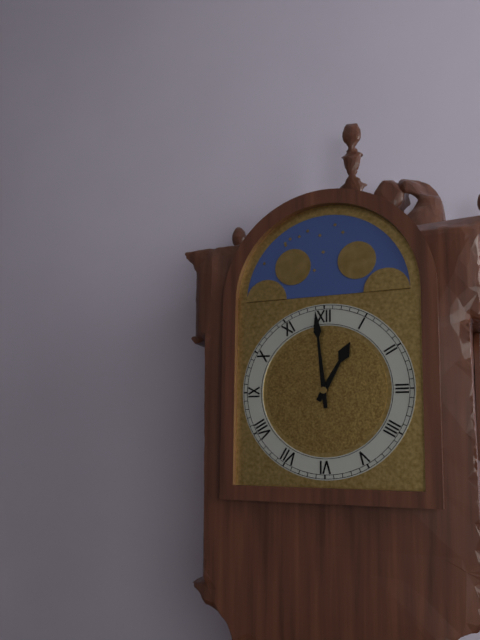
12:59
